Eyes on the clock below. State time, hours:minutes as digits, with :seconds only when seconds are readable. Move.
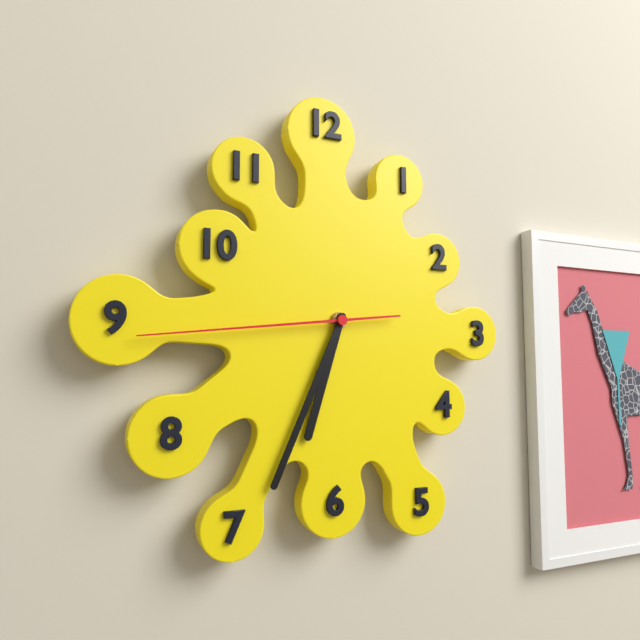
6:34:44
